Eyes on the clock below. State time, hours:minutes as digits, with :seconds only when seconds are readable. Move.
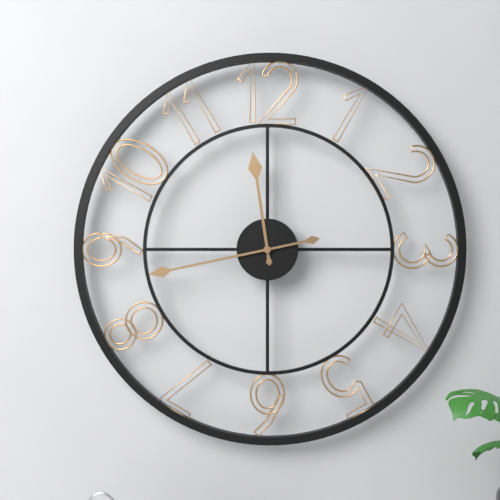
11:43
